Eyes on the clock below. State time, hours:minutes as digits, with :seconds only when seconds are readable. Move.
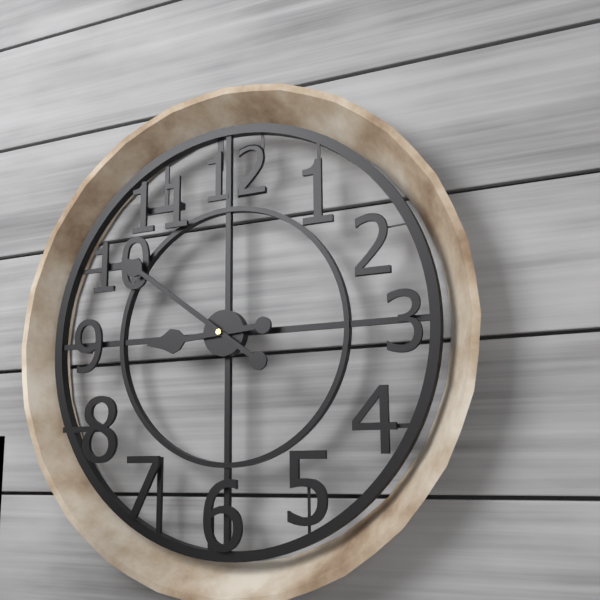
8:51
